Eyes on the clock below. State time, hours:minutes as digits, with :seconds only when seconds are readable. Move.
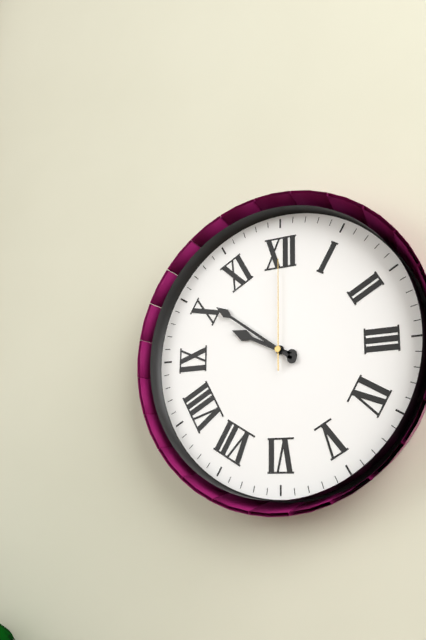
9:51:00
